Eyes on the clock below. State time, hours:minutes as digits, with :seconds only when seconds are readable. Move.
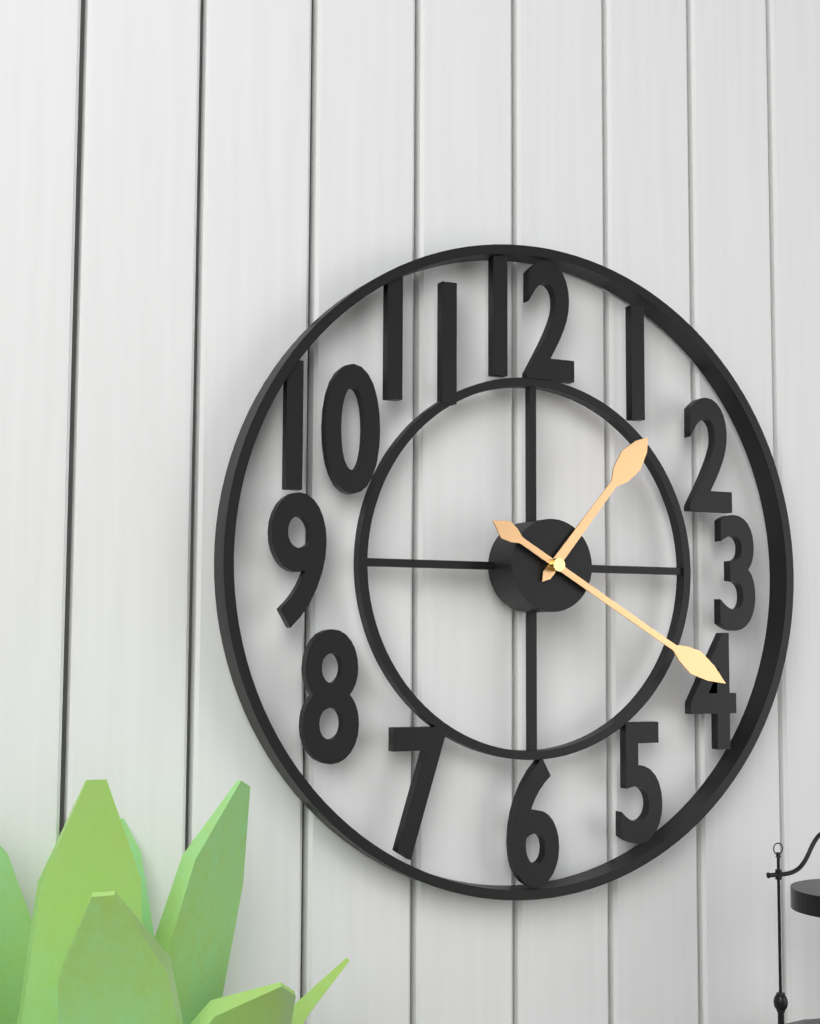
1:20
